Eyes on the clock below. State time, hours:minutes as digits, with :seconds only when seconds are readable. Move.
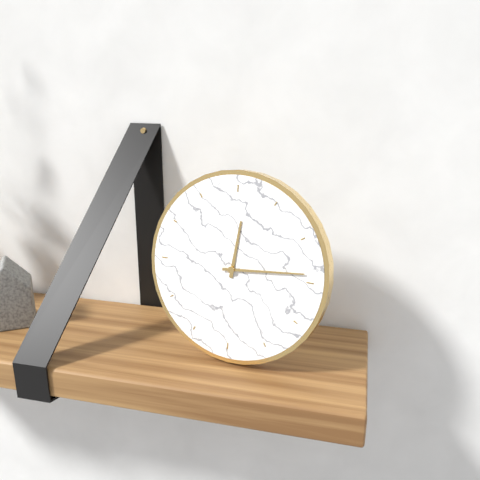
12:14
